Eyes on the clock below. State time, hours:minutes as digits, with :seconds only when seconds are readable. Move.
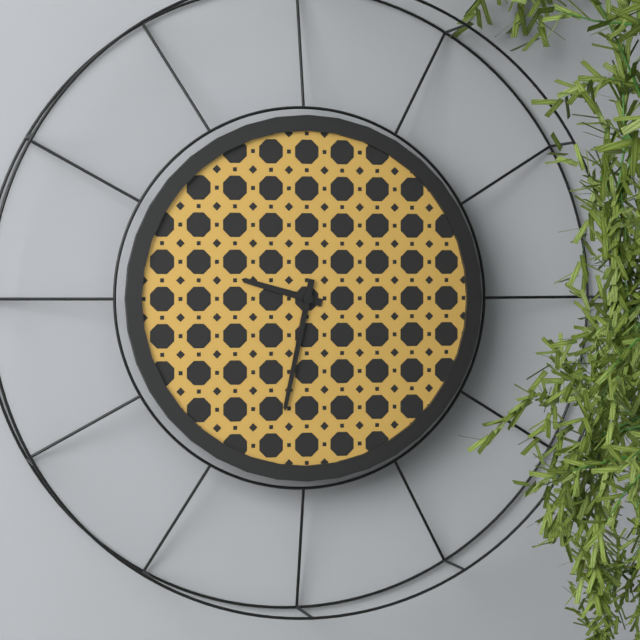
9:32
